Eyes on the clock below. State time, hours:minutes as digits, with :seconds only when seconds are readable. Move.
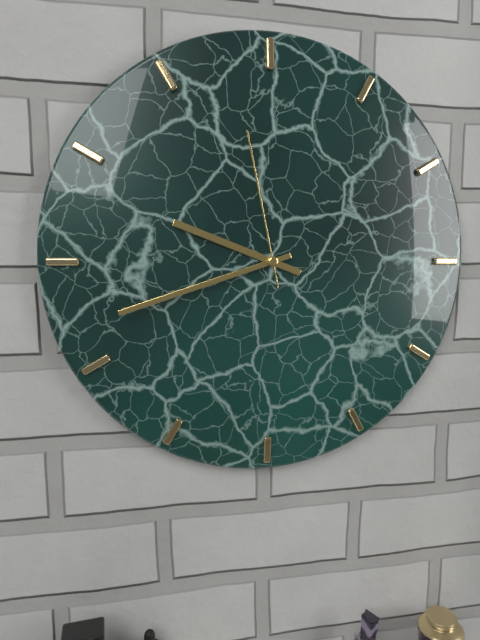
9:42:58
